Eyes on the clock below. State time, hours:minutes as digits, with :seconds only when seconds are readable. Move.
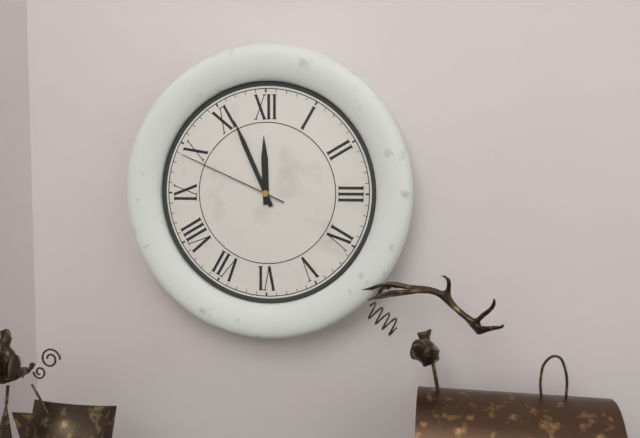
11:56:49
